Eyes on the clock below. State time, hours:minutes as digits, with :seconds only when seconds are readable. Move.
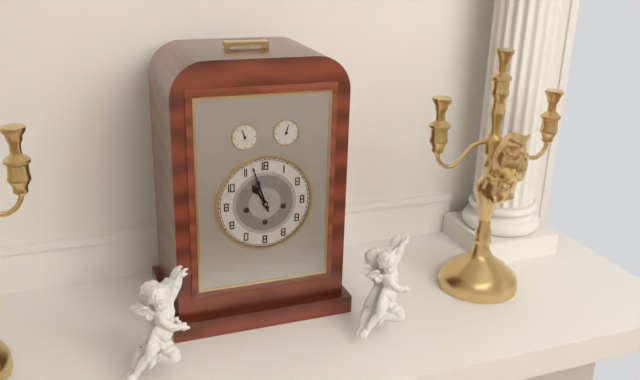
10:57
